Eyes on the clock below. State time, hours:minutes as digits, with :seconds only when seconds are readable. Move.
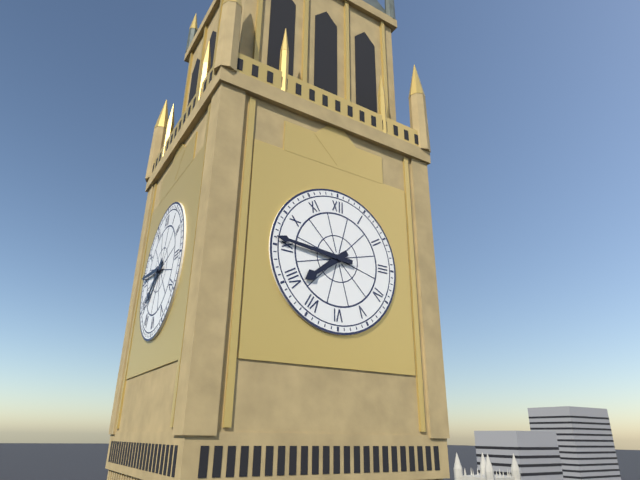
7:46
